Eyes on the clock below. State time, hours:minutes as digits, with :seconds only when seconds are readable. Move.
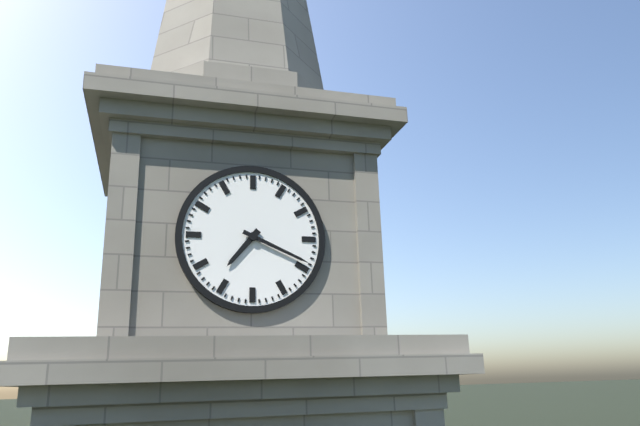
7:19
